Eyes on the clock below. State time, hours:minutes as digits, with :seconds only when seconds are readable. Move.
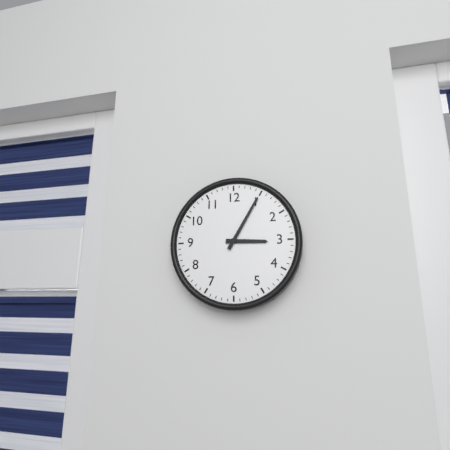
3:05
